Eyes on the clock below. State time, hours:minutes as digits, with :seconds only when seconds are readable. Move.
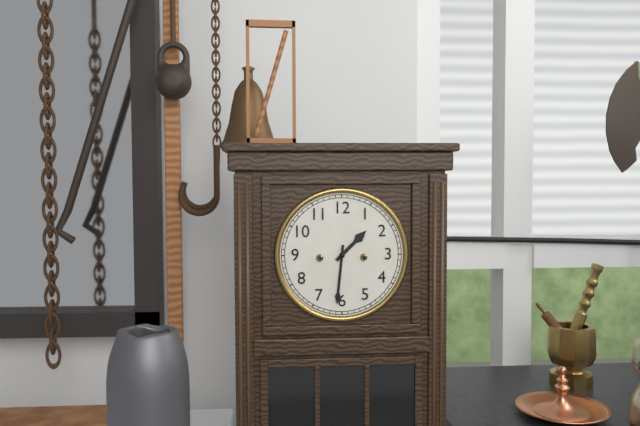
1:31
